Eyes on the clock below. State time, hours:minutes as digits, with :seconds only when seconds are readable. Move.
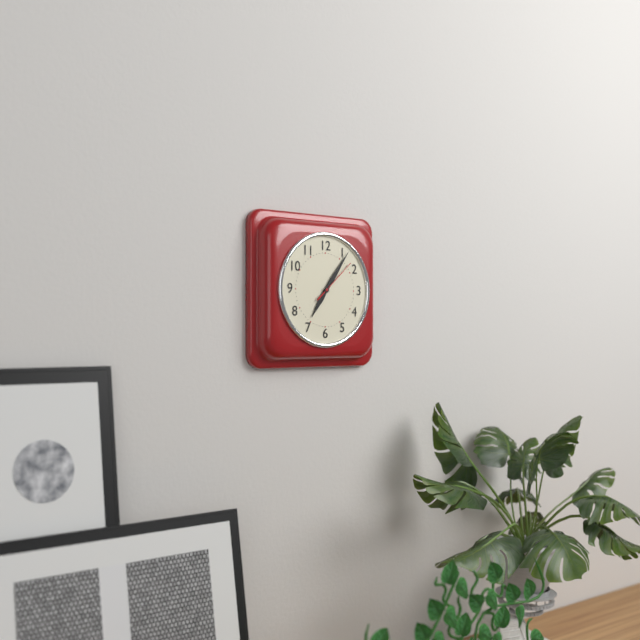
7:06
